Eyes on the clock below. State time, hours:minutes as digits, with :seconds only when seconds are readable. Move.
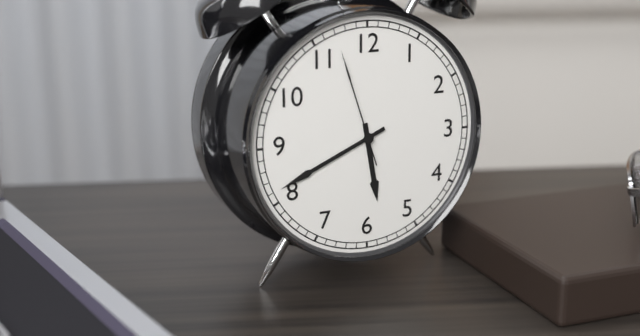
5:41:57
